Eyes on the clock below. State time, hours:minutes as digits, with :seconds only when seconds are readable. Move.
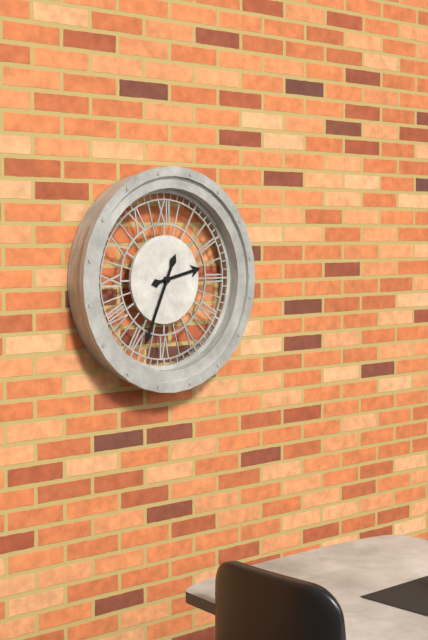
2:34
